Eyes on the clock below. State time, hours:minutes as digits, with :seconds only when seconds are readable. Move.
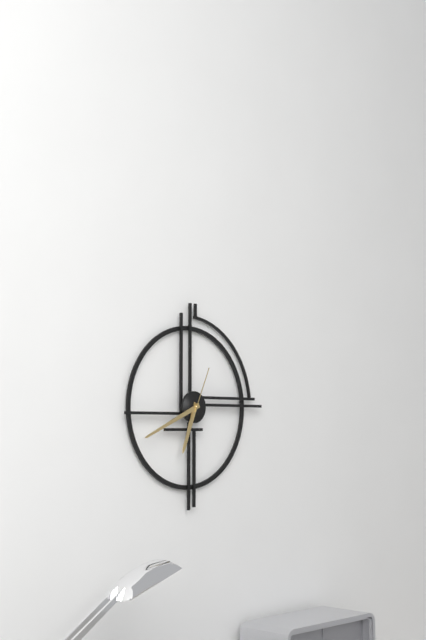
6:41:04
